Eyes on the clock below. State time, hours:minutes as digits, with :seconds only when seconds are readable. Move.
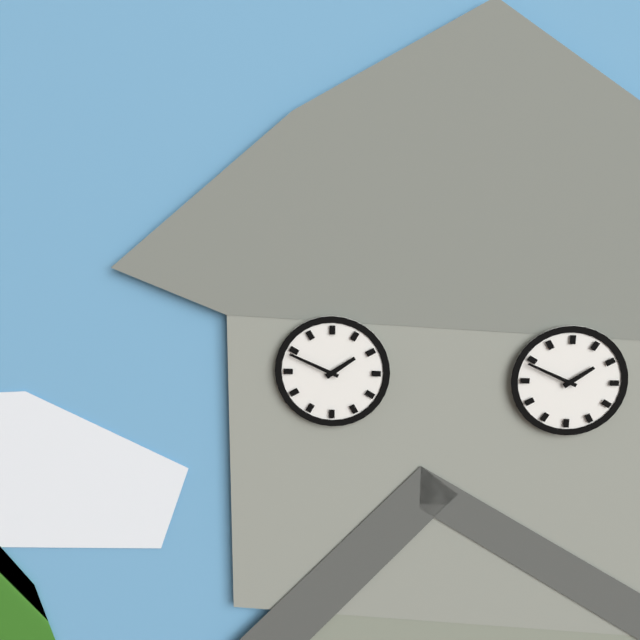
1:49
